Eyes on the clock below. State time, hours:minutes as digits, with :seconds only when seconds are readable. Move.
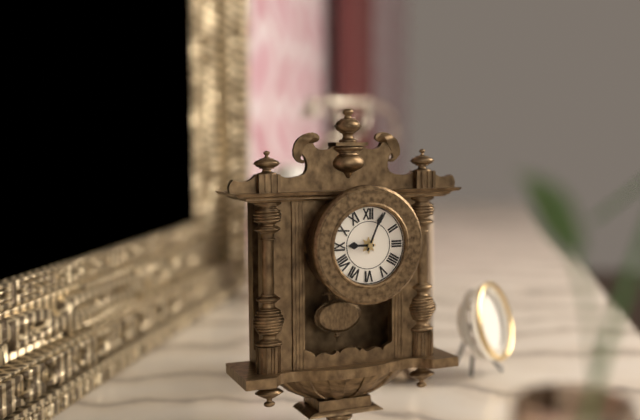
9:04
